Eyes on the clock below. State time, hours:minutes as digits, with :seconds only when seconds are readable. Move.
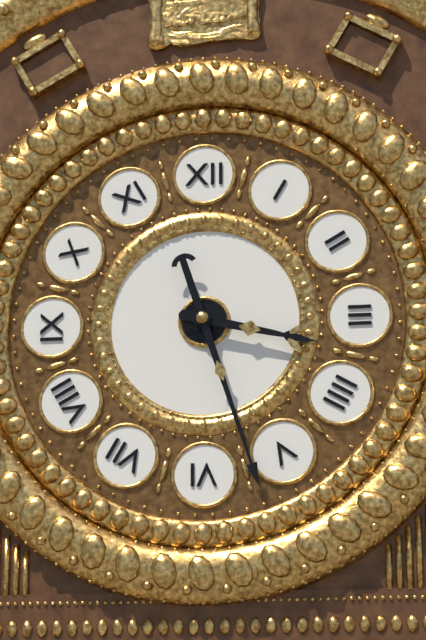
3:27
